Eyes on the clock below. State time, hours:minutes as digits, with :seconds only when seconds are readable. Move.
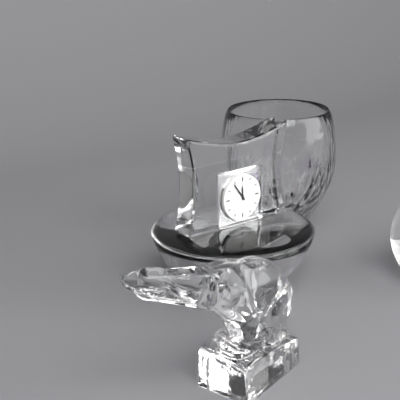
11:54
